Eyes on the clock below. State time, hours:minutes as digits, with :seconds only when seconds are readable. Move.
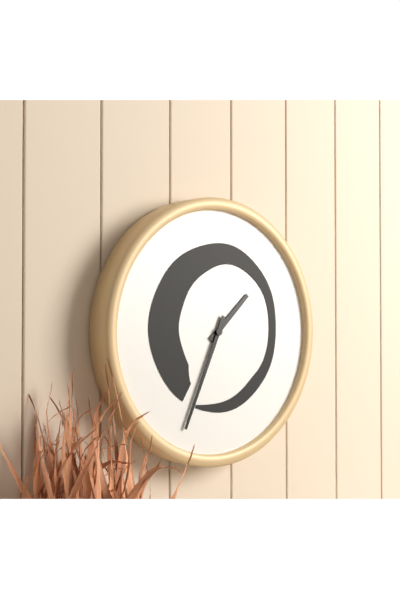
1:34
